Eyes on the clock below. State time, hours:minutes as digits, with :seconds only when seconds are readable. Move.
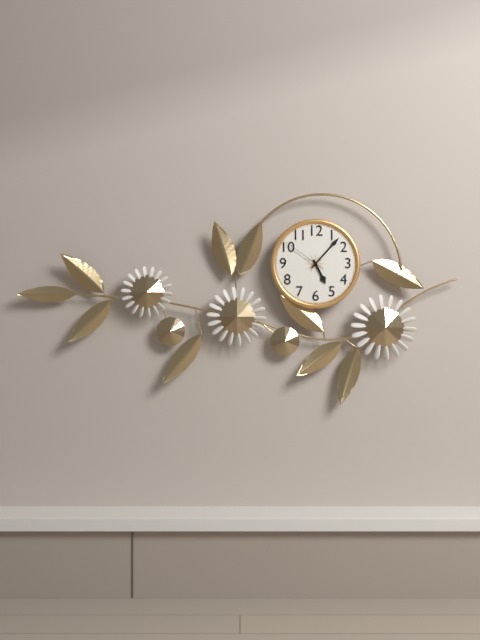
5:07
